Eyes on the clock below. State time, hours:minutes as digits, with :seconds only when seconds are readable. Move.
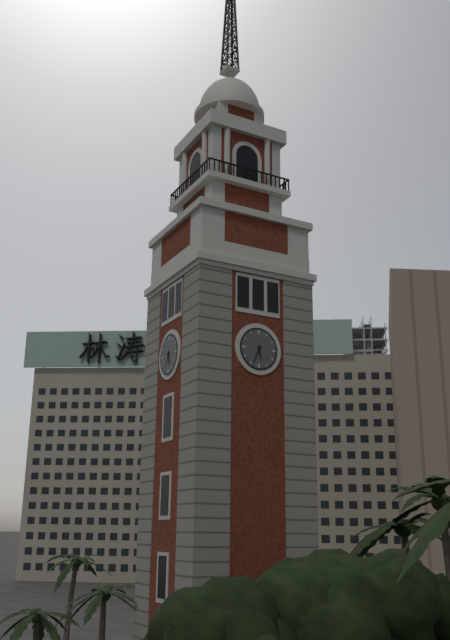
5:34
